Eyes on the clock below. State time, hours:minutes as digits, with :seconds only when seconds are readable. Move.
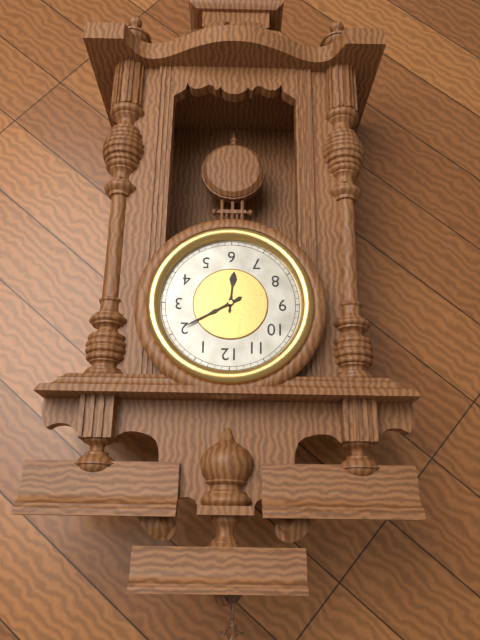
6:10
